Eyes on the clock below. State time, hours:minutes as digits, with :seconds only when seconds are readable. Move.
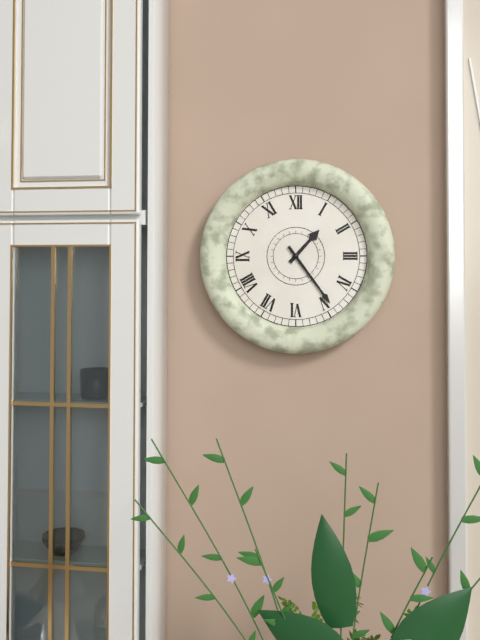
1:24
